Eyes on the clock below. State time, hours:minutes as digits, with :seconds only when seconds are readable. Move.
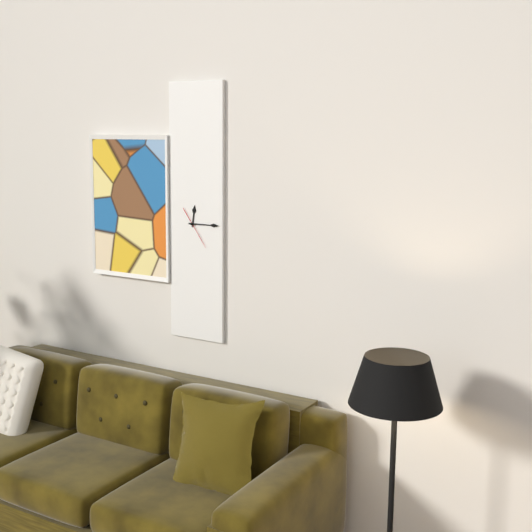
12:15
